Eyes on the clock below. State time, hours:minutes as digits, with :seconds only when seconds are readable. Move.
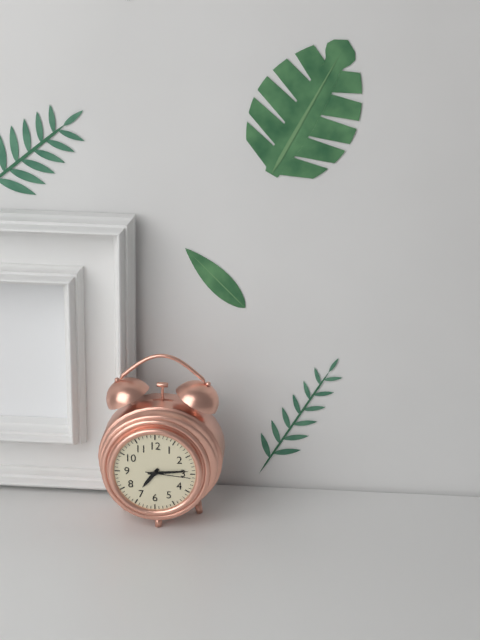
7:14
